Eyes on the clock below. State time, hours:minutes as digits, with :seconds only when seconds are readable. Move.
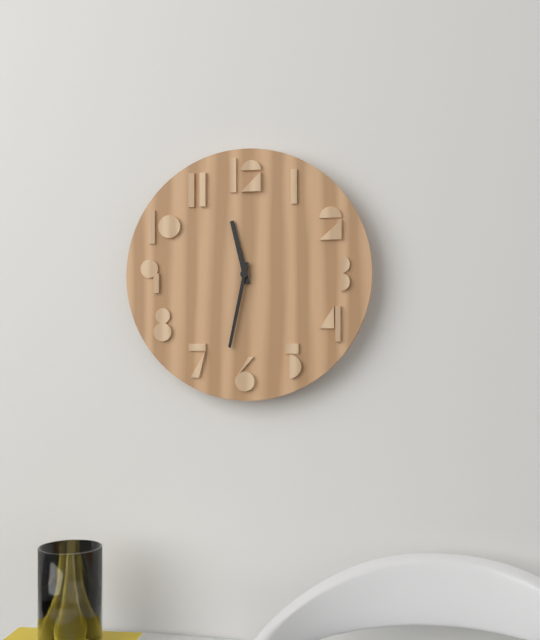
11:32
